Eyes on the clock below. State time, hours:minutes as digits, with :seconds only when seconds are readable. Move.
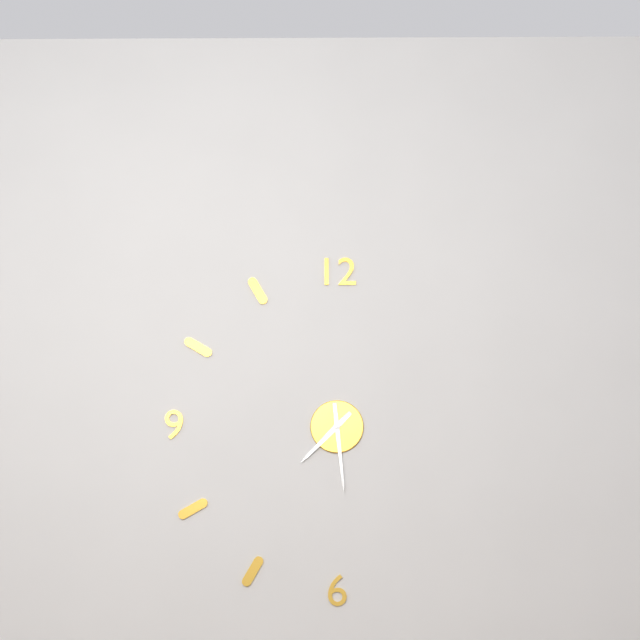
7:29
